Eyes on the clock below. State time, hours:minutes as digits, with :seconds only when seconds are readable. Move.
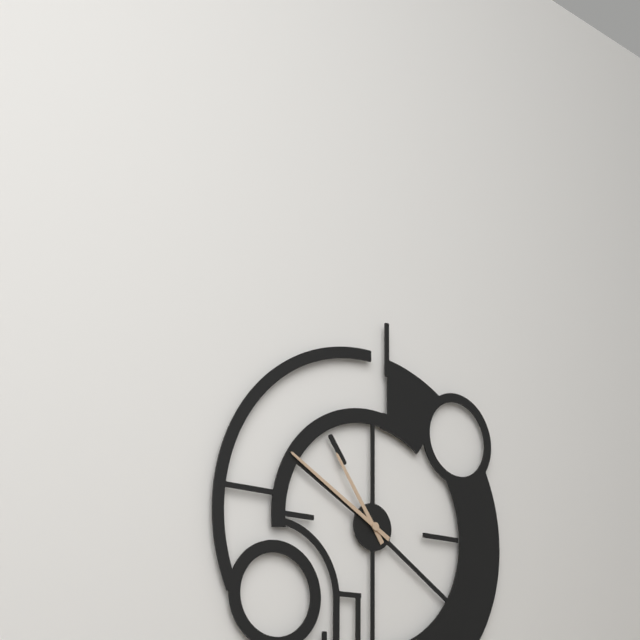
10:50
